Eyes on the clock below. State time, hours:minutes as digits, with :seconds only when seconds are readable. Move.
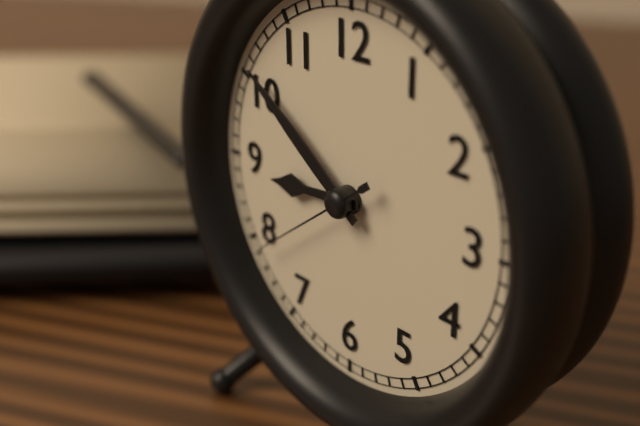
8:51:39
